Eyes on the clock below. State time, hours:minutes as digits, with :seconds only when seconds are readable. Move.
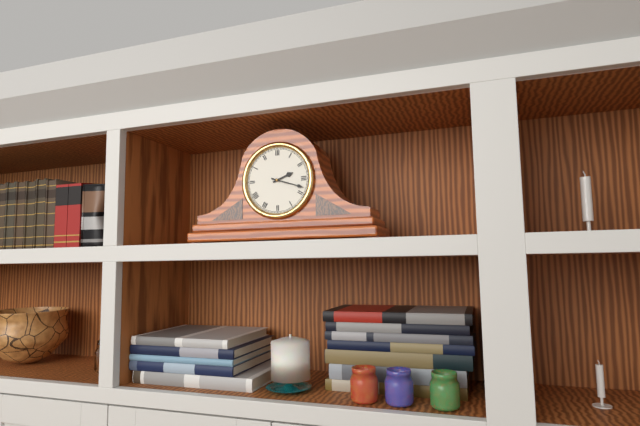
2:18
